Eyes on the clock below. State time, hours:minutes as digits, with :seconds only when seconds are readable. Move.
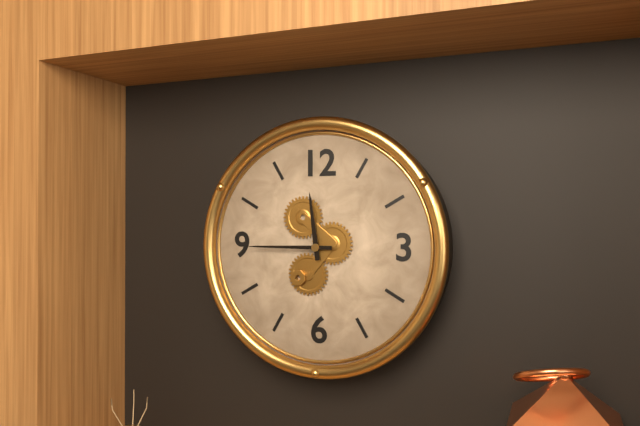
11:45
